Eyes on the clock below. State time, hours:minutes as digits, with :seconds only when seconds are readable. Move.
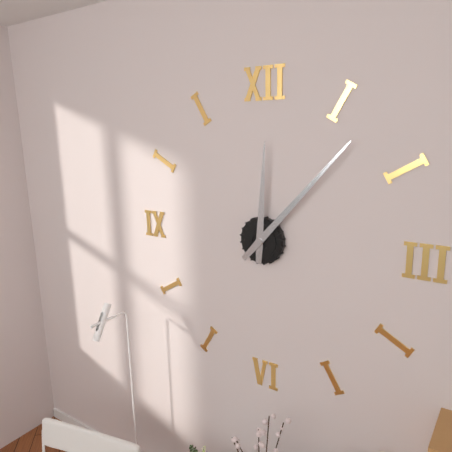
12:07
